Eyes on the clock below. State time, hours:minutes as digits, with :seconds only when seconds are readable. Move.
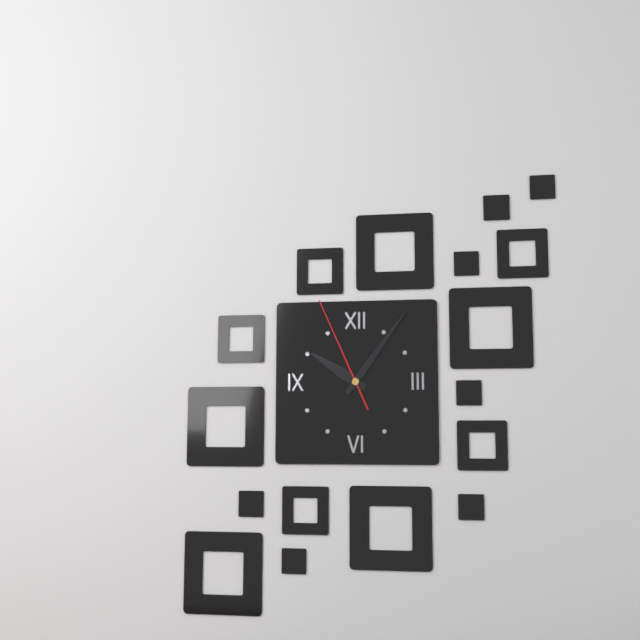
10:06:56
